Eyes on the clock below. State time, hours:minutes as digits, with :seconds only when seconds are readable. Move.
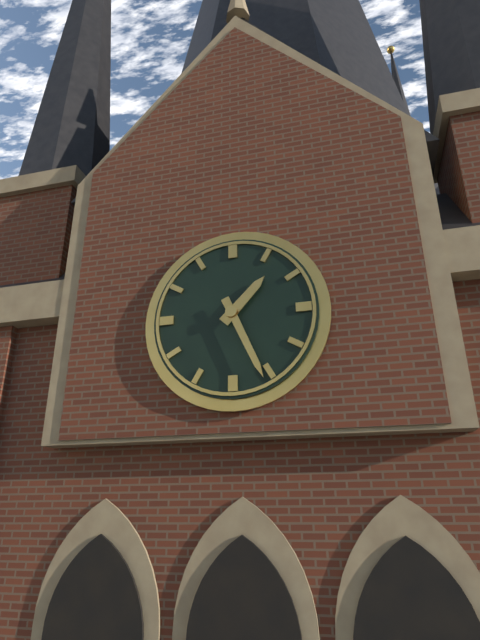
1:26
